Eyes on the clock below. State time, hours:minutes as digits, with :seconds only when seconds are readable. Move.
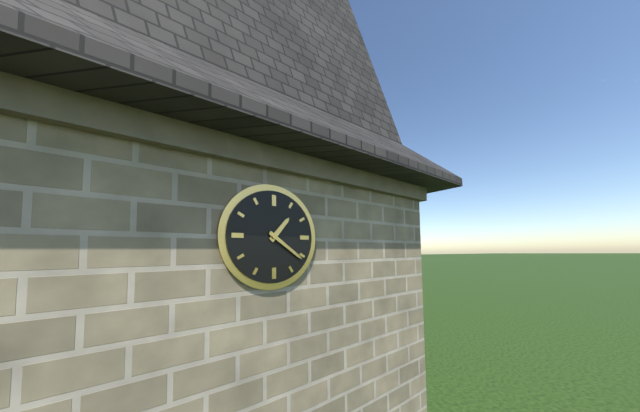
1:21
